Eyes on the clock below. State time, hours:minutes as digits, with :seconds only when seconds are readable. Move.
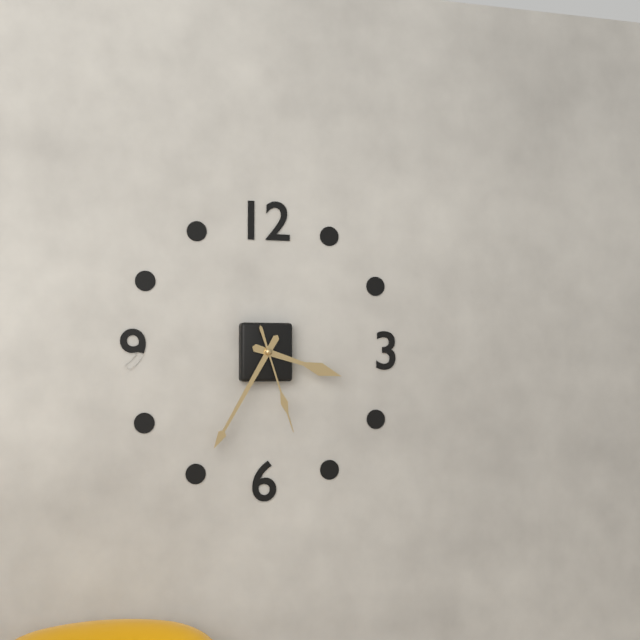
3:35:27
